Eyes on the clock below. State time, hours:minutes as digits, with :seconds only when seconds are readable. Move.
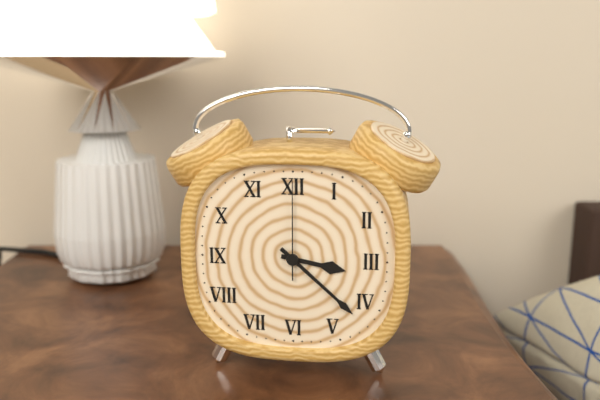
3:22:00
